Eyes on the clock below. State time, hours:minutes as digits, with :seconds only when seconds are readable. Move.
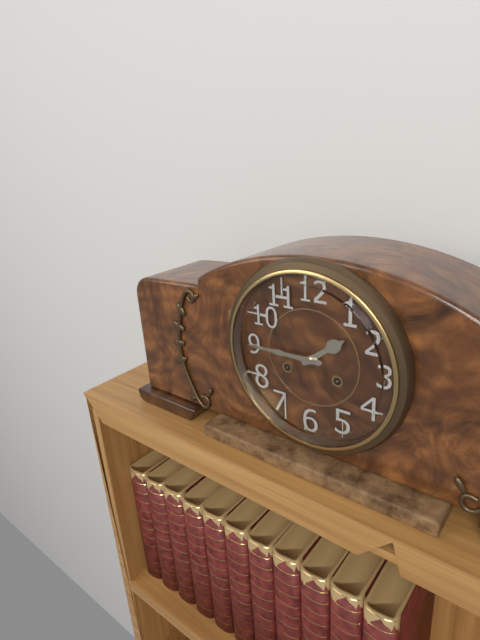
1:45
